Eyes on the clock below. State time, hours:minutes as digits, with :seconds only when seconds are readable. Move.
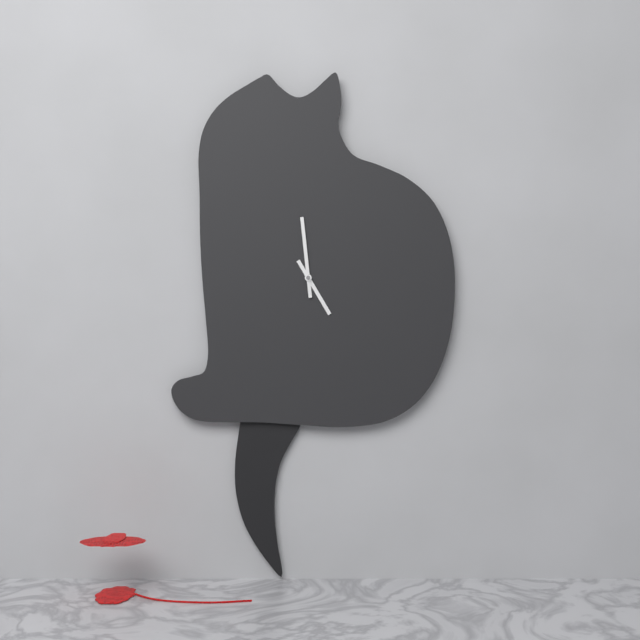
4:59
